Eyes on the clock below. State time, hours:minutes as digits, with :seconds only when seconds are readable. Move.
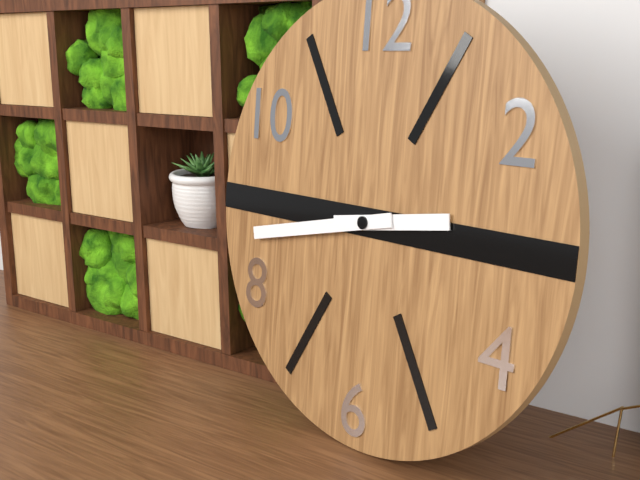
2:43
